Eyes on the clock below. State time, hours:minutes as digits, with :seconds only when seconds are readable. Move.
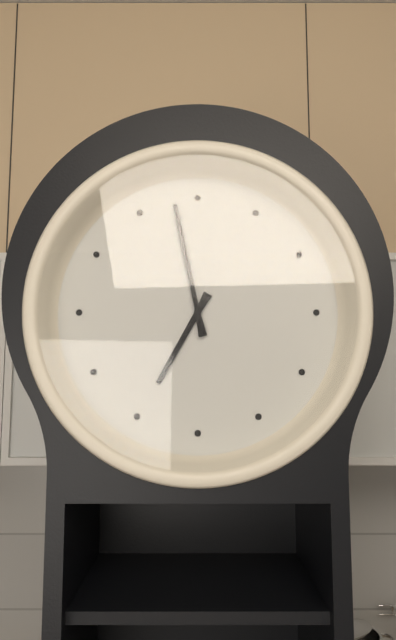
6:58
